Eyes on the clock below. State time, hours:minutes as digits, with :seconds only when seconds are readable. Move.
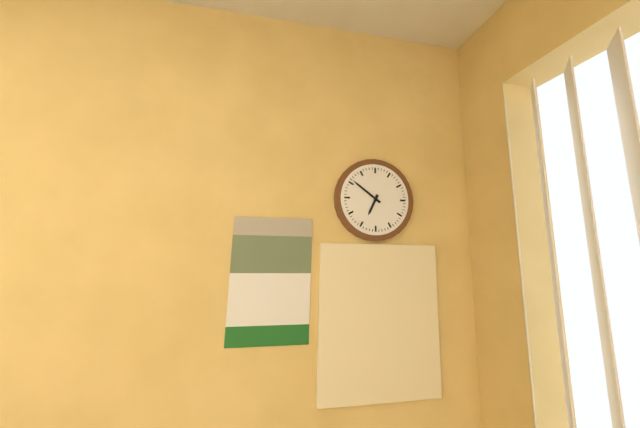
6:51
